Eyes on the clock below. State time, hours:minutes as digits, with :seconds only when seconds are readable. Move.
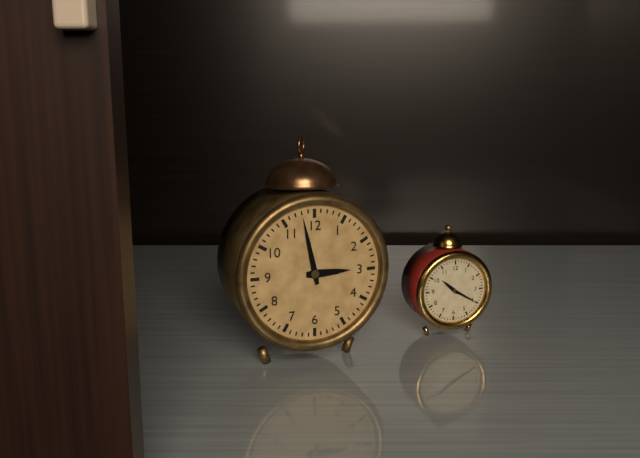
2:58
